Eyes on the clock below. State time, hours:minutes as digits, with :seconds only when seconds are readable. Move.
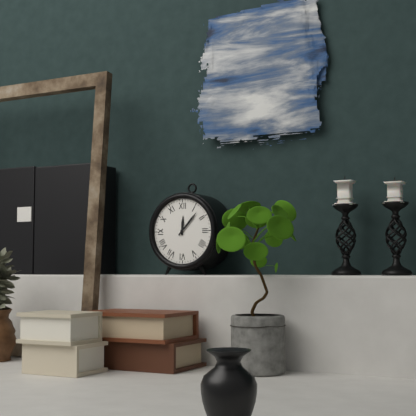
12:07
